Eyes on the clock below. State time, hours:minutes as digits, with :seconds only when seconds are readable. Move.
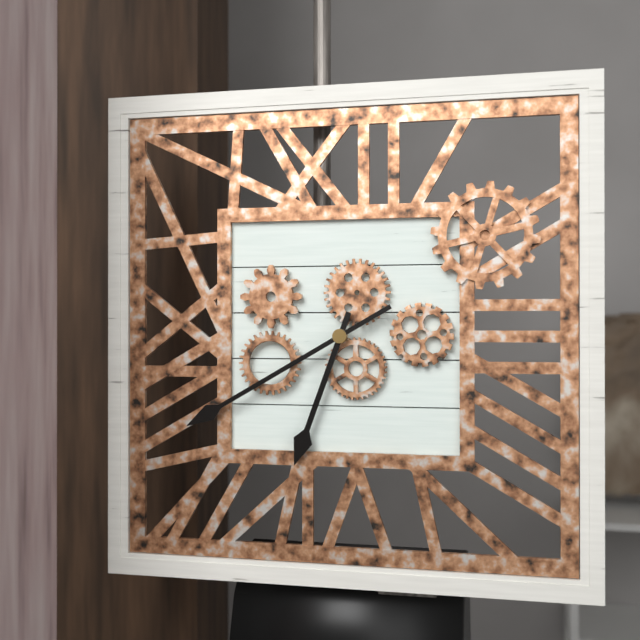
6:40
